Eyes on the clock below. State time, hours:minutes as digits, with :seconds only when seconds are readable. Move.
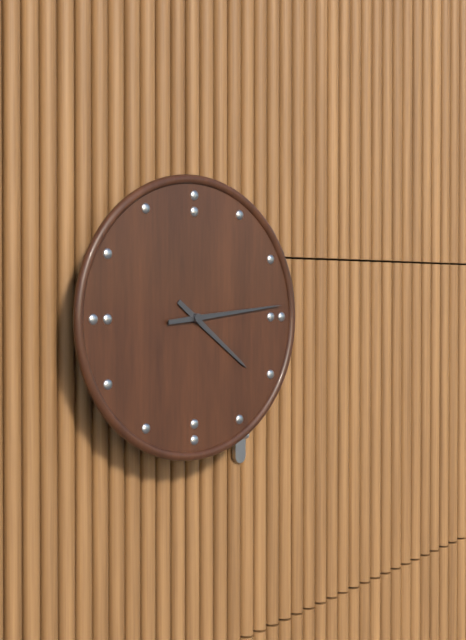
4:14
